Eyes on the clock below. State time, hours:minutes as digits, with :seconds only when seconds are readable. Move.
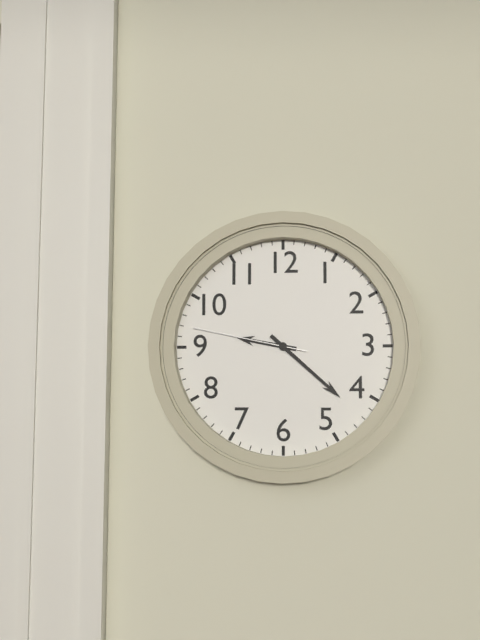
9:22:47
